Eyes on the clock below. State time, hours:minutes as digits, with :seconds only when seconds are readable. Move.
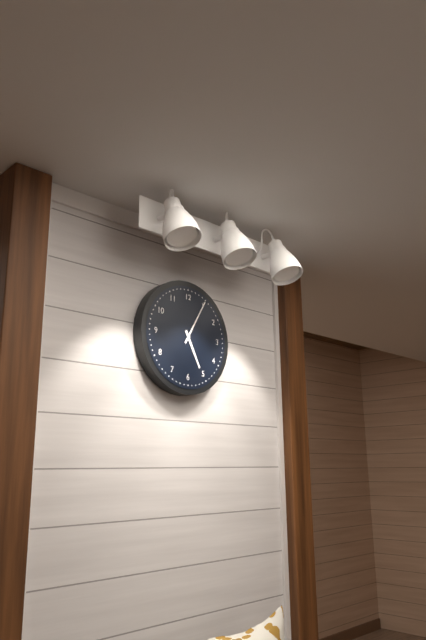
5:05
